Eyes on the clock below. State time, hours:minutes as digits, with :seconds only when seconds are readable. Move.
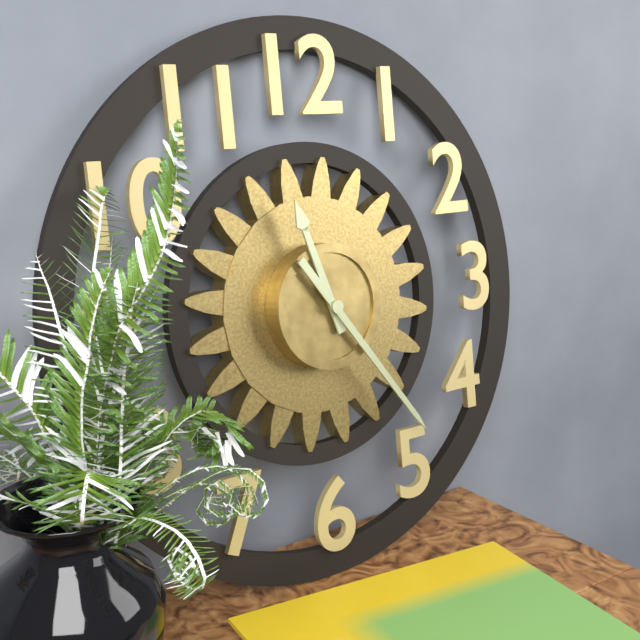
11:24
